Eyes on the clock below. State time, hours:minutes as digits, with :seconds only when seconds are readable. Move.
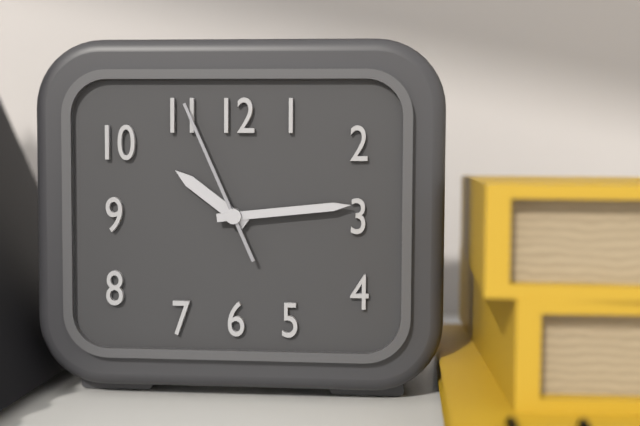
10:14:56
